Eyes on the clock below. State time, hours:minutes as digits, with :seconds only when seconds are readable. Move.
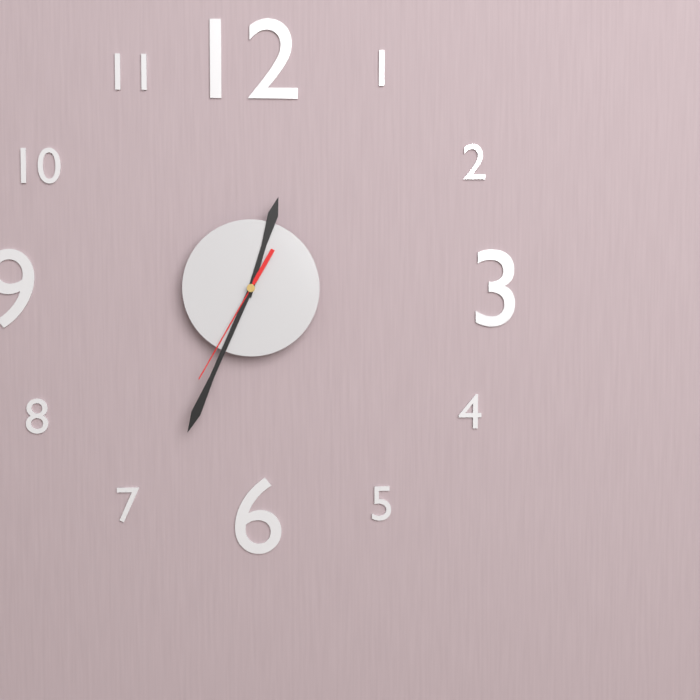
12:34:35
